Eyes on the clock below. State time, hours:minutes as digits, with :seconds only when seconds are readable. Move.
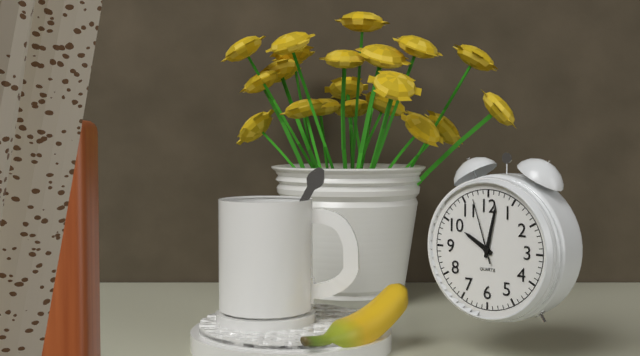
10:02:57
